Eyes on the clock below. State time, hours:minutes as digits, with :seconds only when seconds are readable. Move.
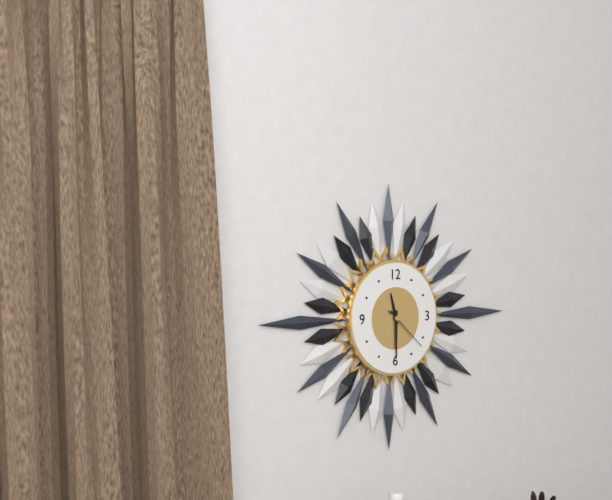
11:30
